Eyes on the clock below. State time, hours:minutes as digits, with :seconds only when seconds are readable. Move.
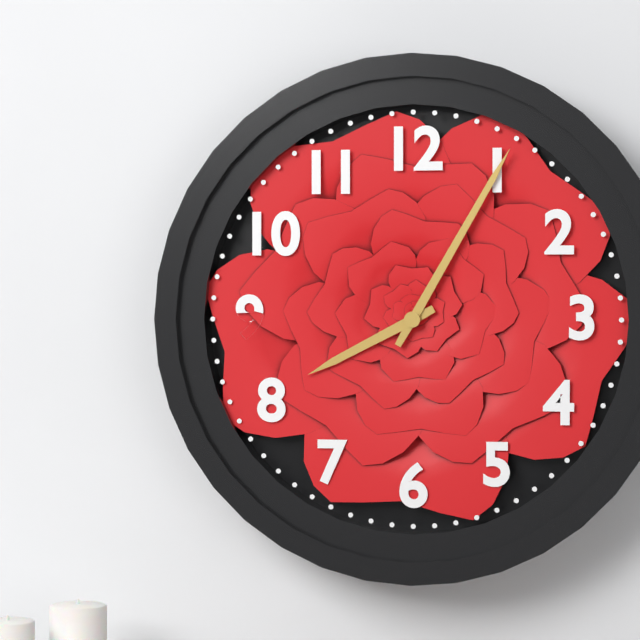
8:05
